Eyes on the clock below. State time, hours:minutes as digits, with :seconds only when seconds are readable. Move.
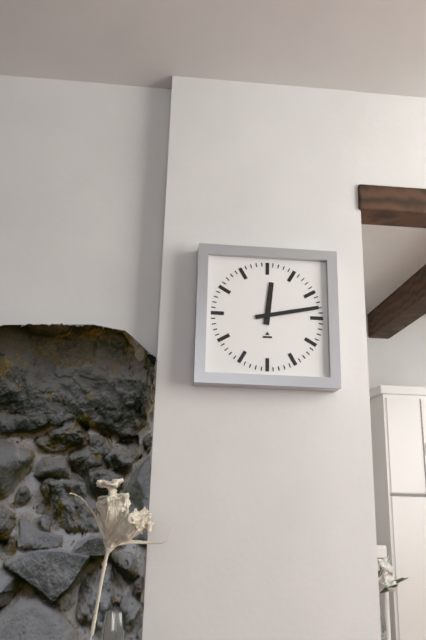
12:13
